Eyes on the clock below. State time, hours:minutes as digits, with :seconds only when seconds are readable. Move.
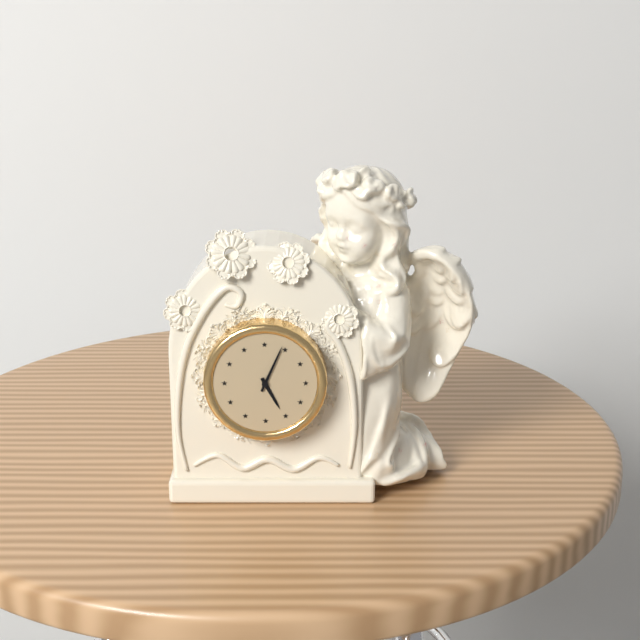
5:04
